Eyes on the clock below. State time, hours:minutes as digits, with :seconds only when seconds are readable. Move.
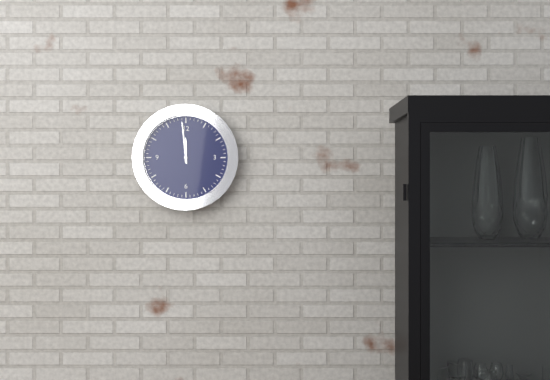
11:59
